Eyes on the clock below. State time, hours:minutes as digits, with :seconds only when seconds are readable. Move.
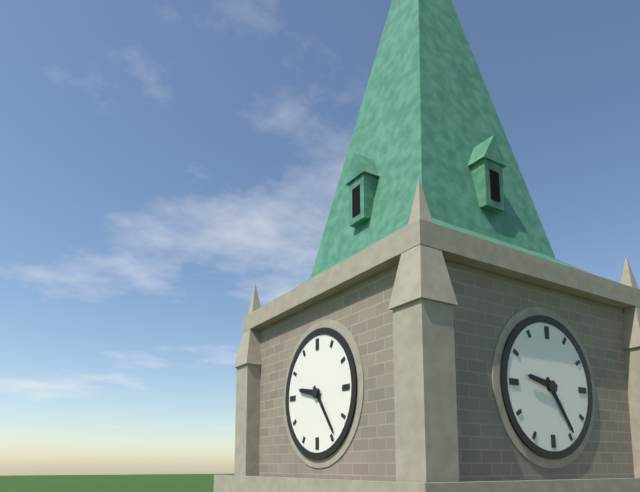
9:24
